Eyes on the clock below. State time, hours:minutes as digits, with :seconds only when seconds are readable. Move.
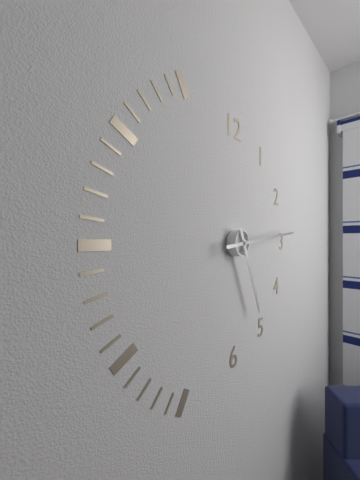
5:14
